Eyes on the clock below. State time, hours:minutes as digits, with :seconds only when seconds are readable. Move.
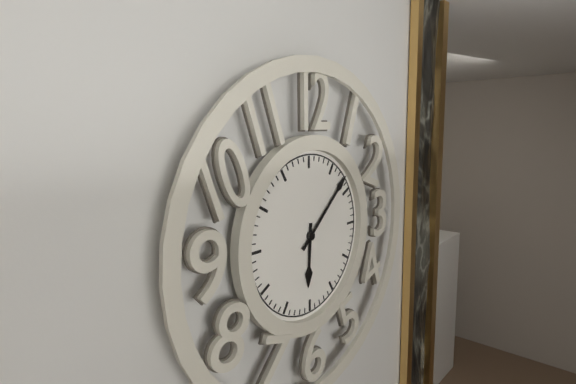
6:08
